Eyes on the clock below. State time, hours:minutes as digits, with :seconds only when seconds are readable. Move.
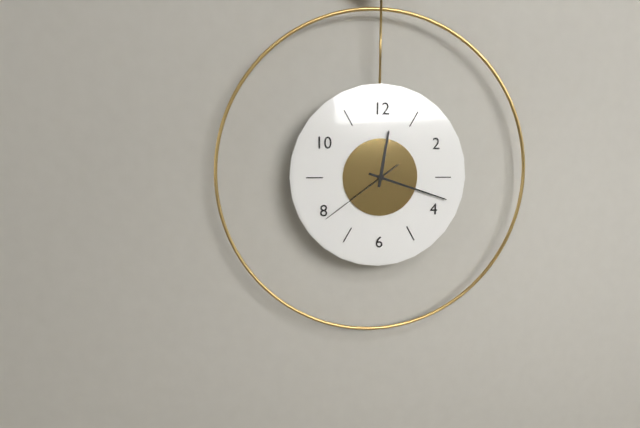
12:18:39
